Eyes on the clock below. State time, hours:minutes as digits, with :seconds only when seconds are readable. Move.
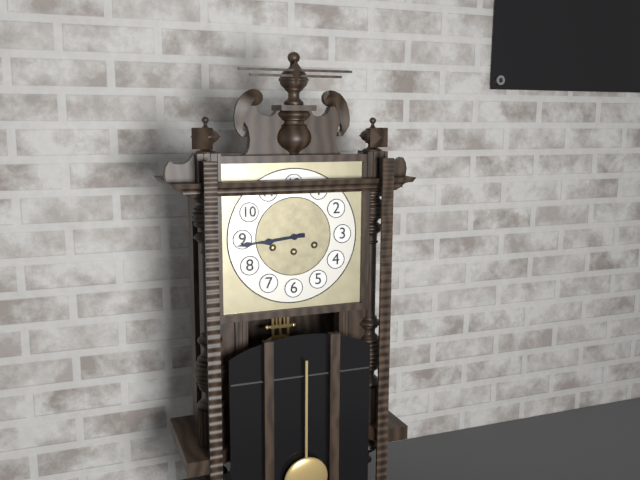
8:44
